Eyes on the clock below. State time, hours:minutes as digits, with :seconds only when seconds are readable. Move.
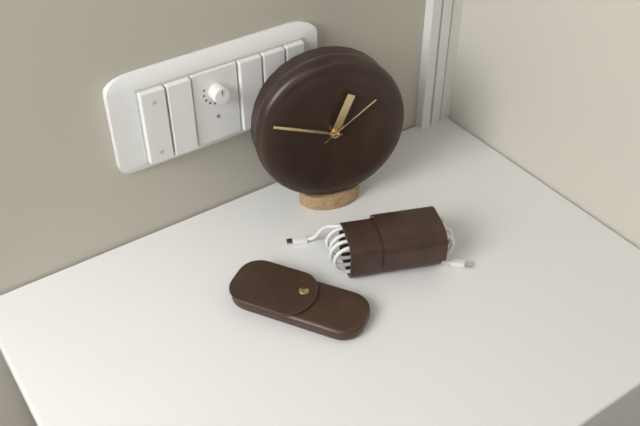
12:48:09
